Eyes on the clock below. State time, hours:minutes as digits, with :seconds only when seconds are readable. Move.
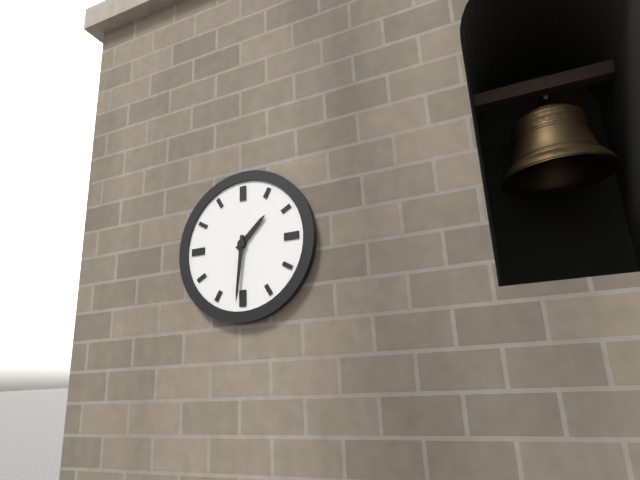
1:31
